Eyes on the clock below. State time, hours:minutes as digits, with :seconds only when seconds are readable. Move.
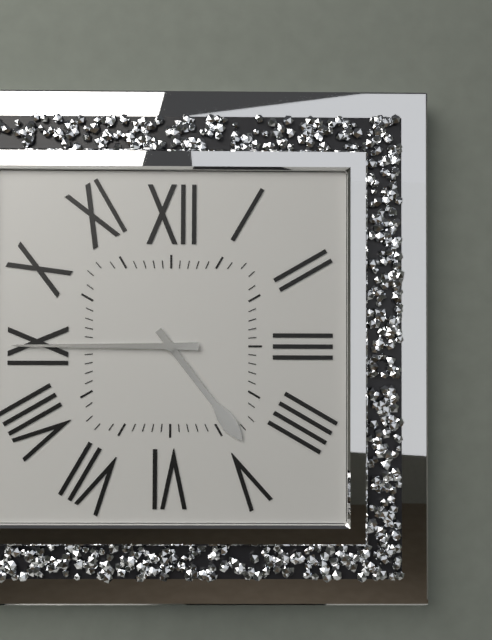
4:45
